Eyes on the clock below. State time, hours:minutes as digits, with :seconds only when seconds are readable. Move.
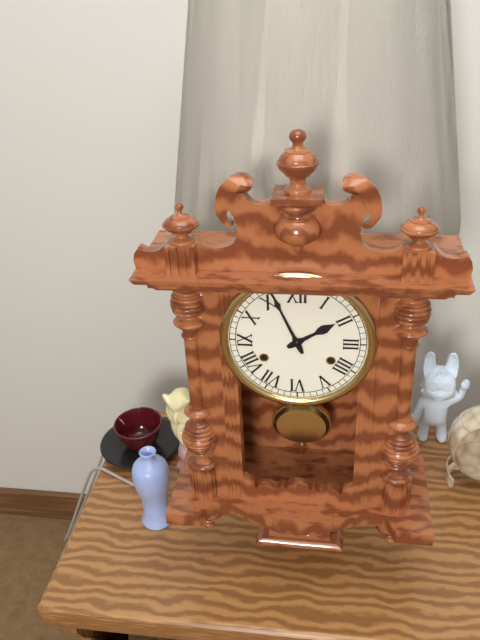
1:56
